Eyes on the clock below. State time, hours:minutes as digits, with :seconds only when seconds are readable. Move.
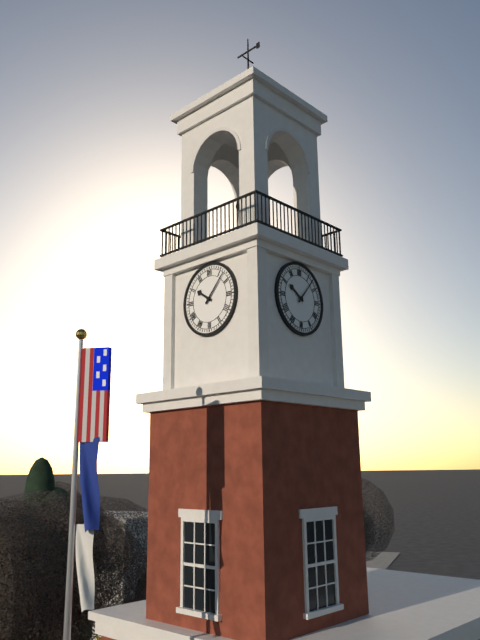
10:07
